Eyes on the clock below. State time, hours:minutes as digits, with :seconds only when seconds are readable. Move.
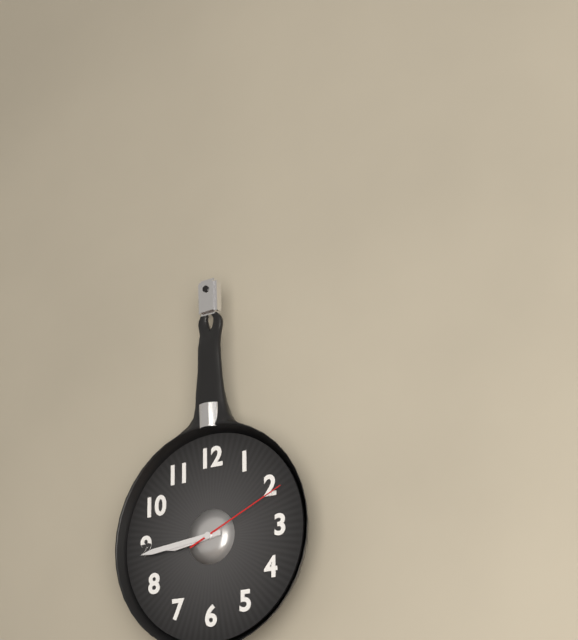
8:44:11
